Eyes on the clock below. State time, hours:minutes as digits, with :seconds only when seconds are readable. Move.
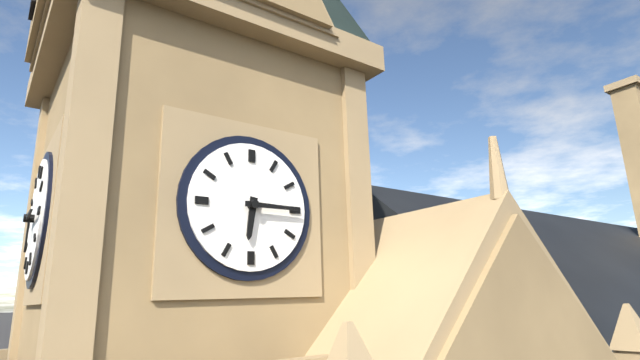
6:15
